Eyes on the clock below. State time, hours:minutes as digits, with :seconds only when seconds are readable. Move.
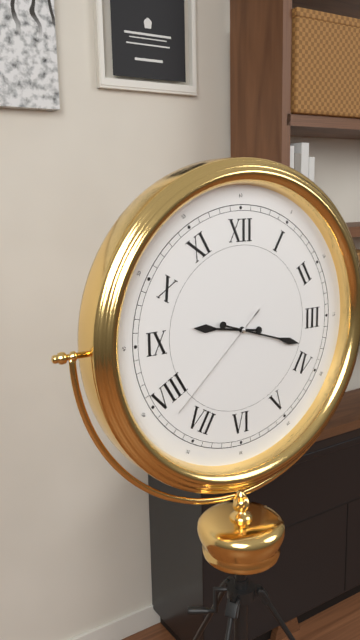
9:18:38
